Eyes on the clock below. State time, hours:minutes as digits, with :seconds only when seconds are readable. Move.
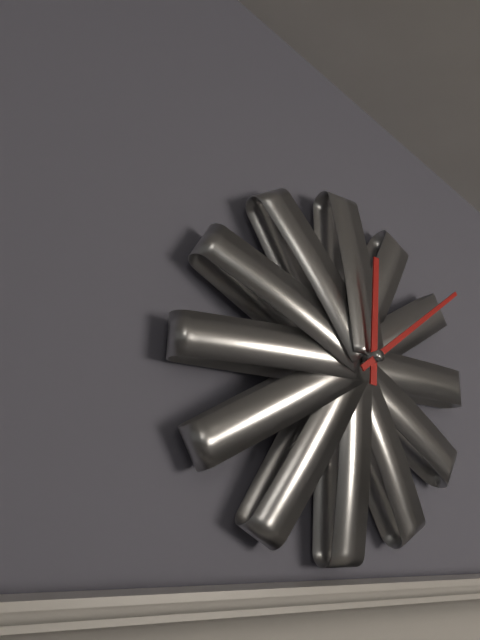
12:09
